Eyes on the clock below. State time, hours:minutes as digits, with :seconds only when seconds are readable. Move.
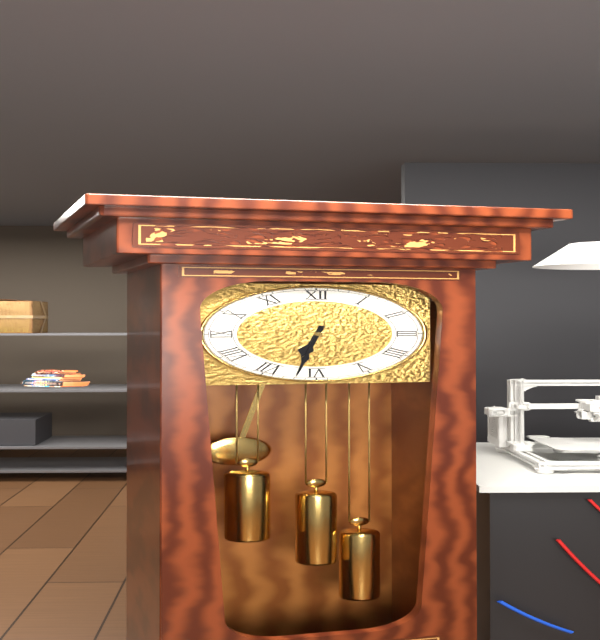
6:32
